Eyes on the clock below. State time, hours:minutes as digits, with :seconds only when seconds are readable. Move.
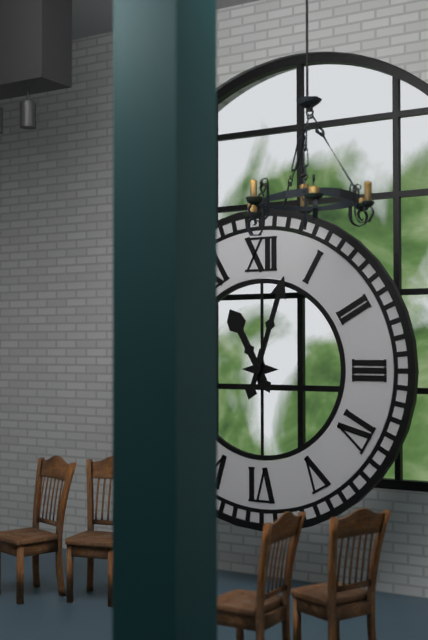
11:03
